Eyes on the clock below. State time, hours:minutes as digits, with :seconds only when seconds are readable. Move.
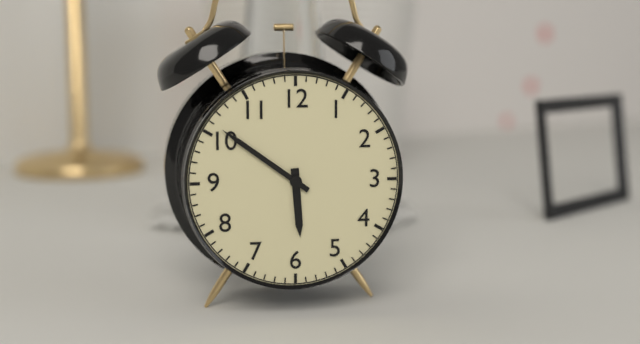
5:51
